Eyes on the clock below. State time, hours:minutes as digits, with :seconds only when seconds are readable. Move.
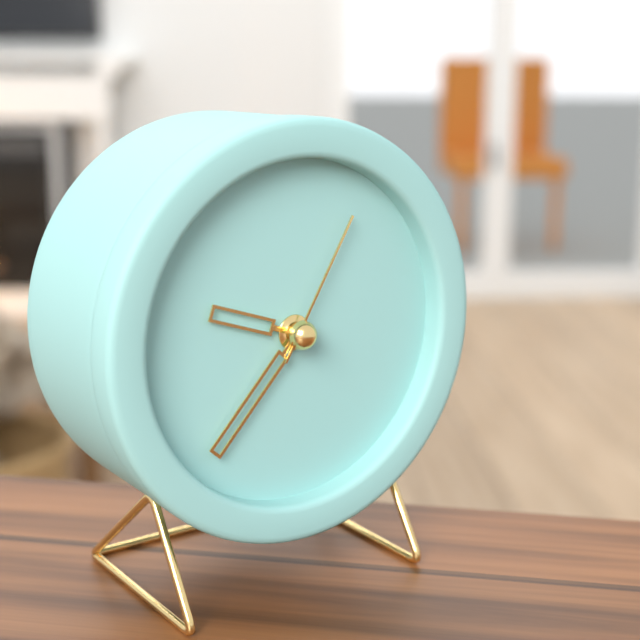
9:37:05
